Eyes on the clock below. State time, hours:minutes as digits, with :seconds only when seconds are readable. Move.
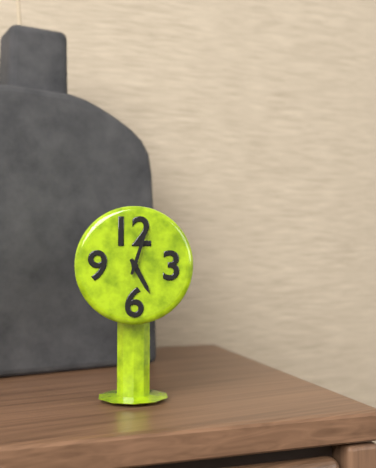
5:03
